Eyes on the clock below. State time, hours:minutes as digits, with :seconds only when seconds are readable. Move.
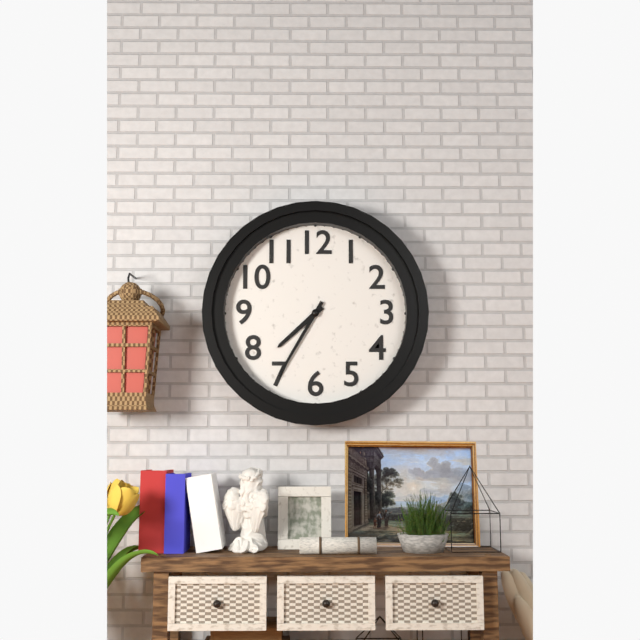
7:35
